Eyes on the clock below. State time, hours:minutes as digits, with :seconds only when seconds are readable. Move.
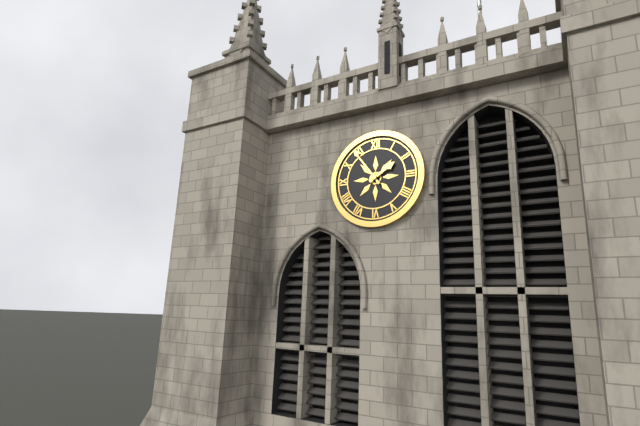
1:54
